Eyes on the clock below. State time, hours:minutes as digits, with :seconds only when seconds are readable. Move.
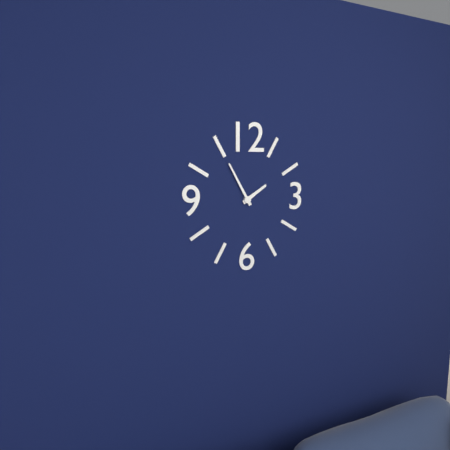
1:55
